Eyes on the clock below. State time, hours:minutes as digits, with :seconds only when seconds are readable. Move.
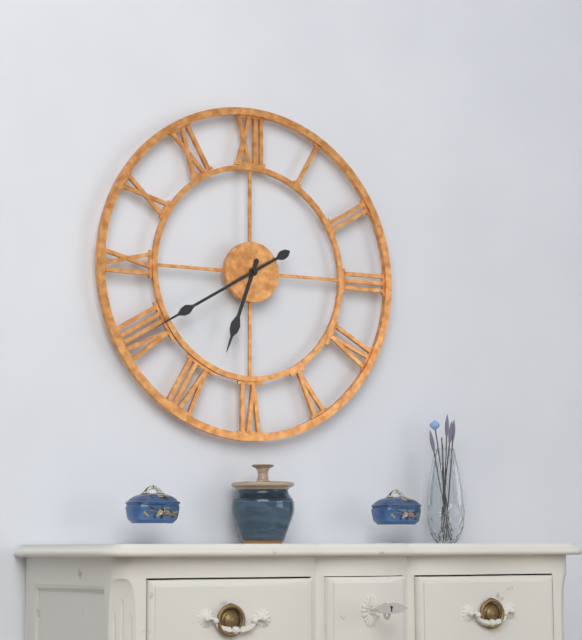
6:40
